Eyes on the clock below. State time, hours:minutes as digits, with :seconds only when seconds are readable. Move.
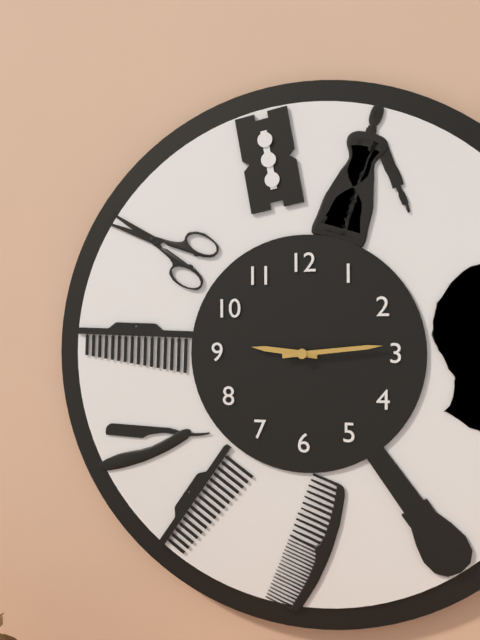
9:14
